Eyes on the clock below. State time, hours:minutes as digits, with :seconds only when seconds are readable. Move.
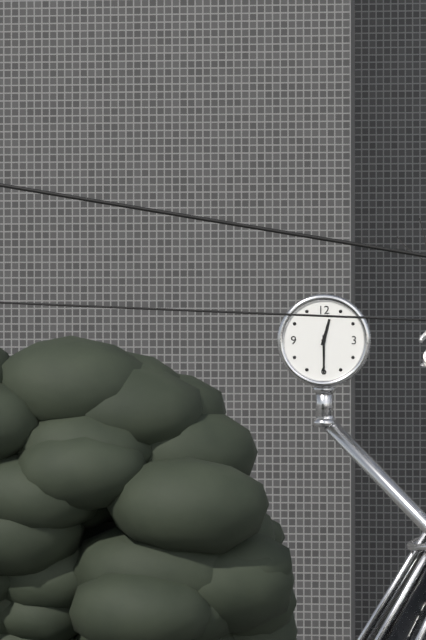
12:30
